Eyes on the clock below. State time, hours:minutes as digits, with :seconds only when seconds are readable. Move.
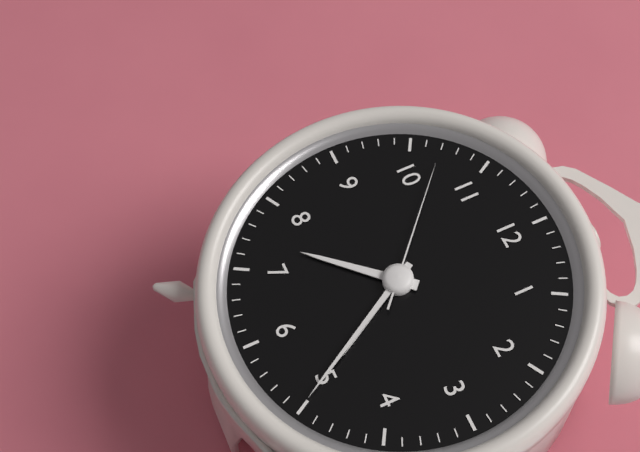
7:25:52
